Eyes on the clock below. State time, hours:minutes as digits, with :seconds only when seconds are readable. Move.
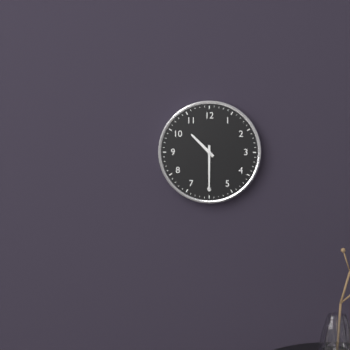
10:30
